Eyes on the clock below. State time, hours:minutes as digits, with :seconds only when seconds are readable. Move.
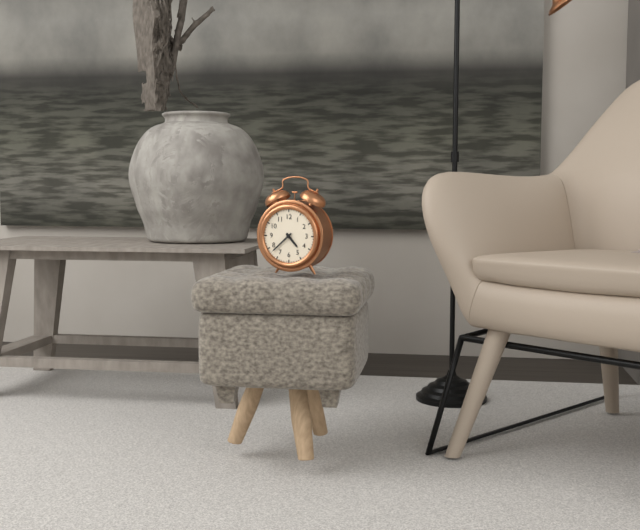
4:38
